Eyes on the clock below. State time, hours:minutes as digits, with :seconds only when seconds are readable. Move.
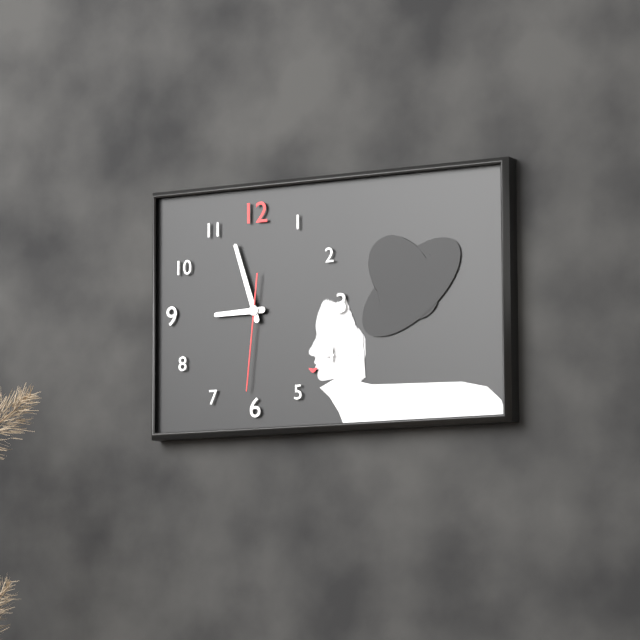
8:57:31
